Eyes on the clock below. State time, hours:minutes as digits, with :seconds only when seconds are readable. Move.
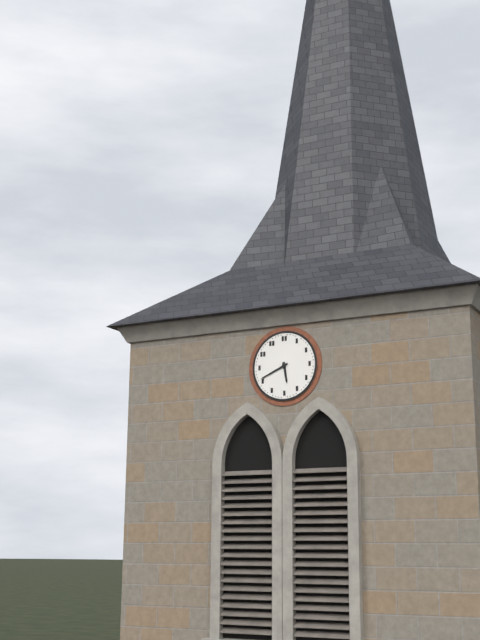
5:41
